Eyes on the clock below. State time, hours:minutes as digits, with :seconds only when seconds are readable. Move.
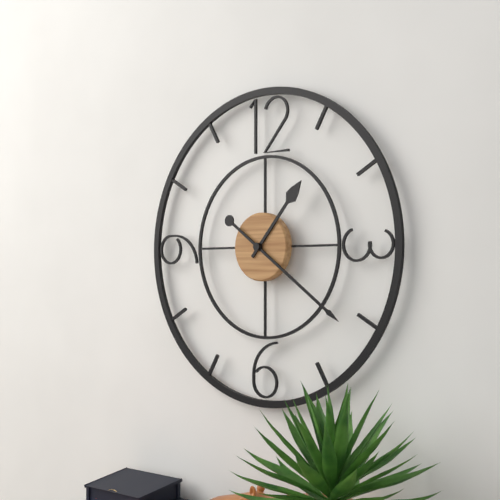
1:21
